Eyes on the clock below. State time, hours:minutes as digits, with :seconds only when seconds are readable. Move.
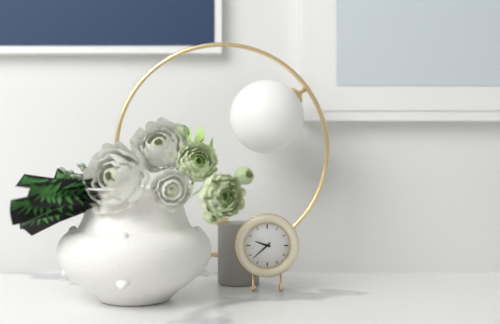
9:38
